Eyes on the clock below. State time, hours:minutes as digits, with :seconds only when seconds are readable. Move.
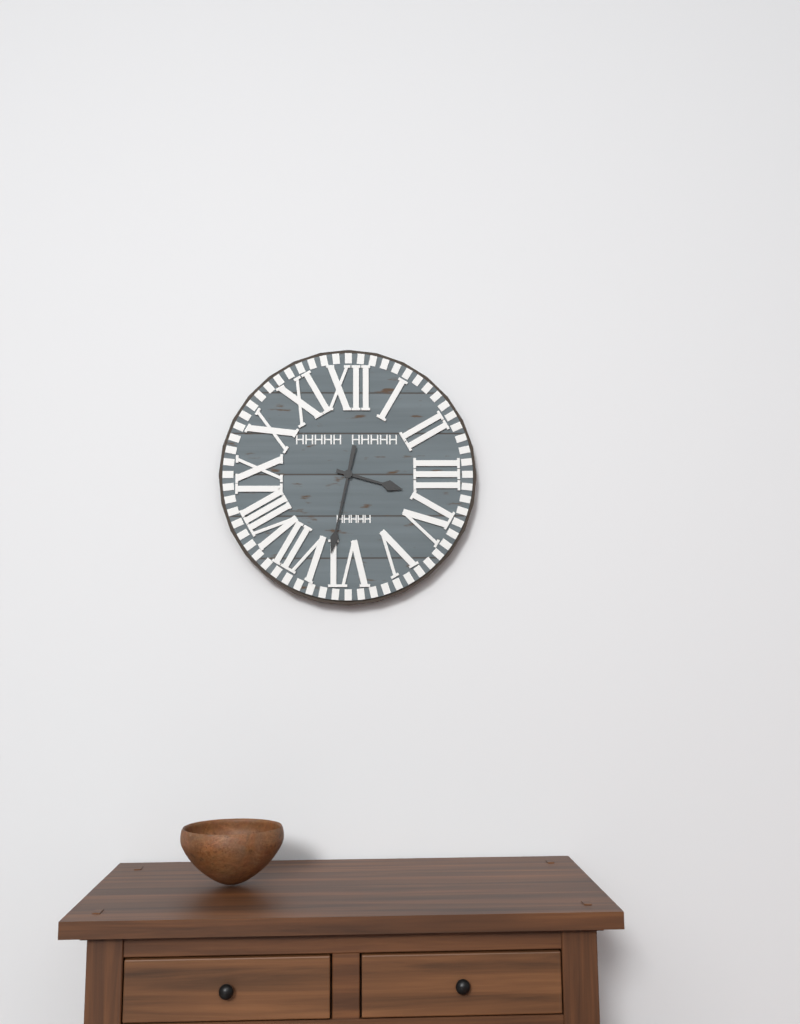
3:32
